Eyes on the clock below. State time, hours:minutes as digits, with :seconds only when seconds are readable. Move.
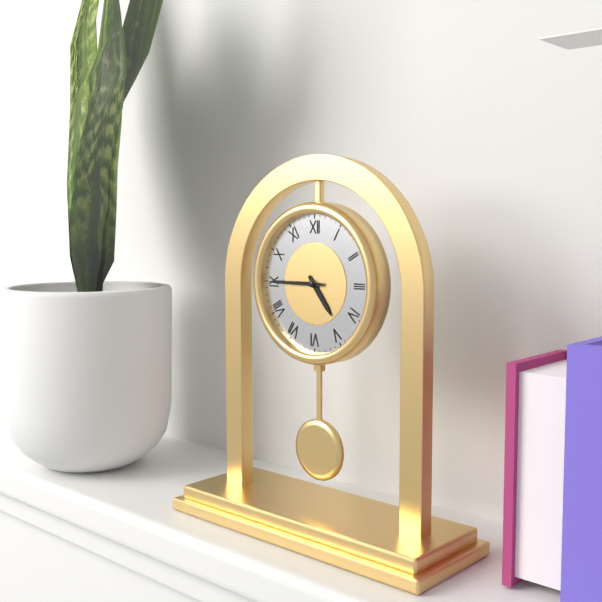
4:45
